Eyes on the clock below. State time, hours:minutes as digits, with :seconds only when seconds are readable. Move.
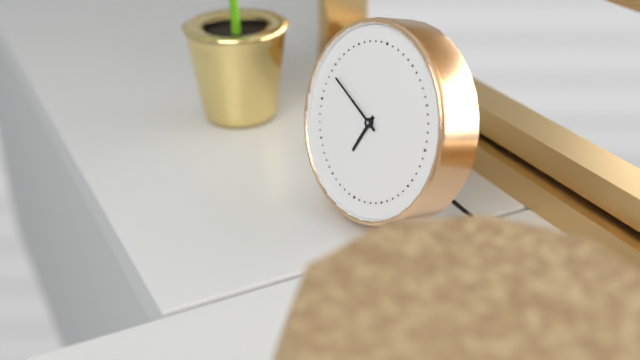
6:49
